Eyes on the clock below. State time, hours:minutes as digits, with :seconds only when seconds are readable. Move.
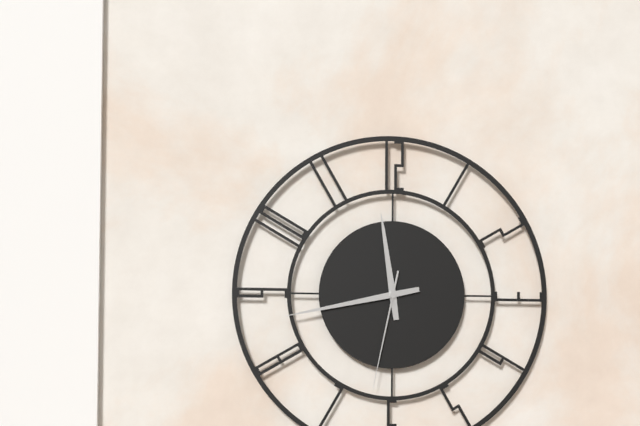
11:43:32
